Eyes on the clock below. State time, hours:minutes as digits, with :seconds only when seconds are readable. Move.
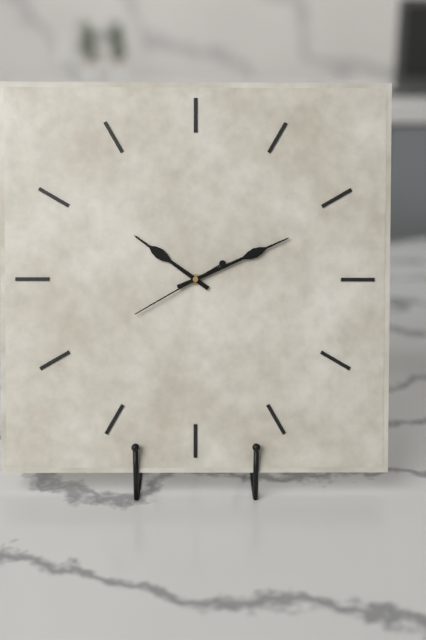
10:11:40
